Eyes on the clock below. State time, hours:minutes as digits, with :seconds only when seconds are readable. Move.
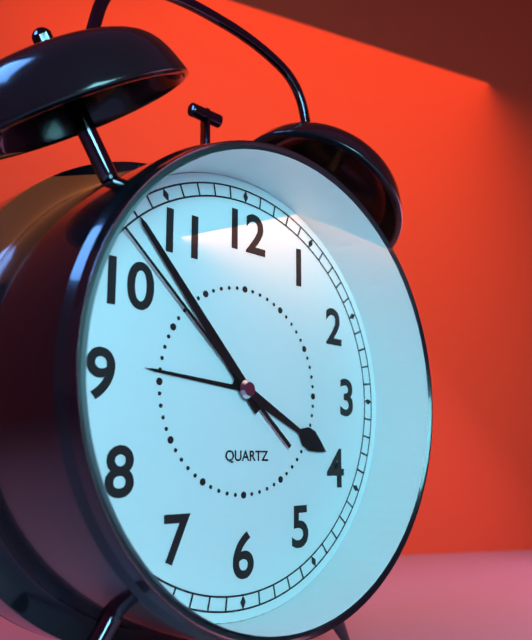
3:53:52
